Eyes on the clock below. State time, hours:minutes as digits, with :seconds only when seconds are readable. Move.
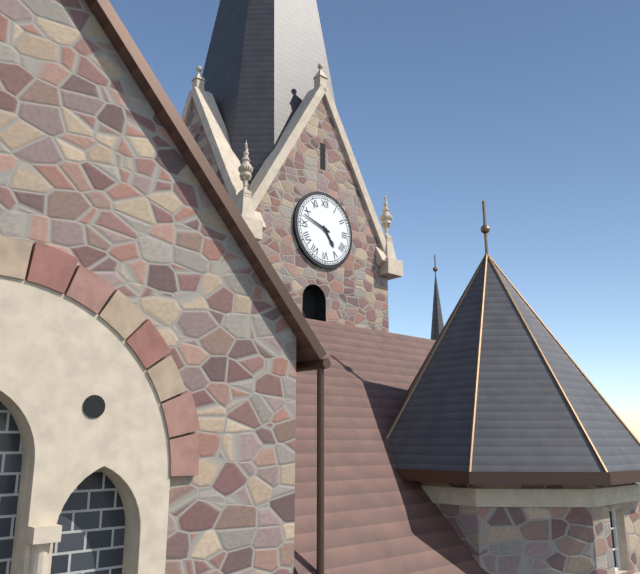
4:48
